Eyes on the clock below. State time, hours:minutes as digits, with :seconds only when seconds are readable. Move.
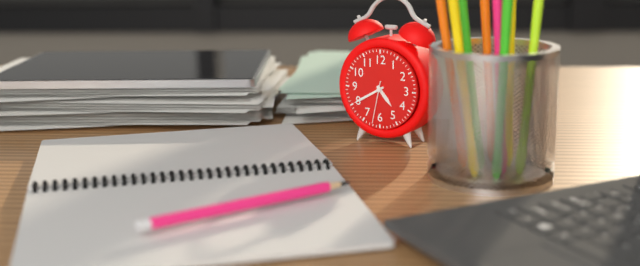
4:40
